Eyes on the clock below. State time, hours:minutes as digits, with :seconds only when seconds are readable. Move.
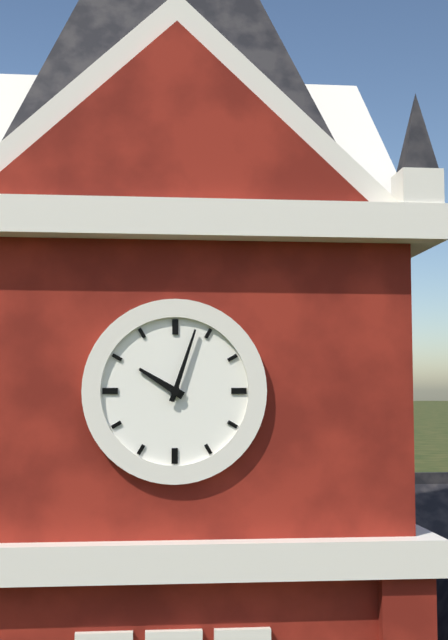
10:03
